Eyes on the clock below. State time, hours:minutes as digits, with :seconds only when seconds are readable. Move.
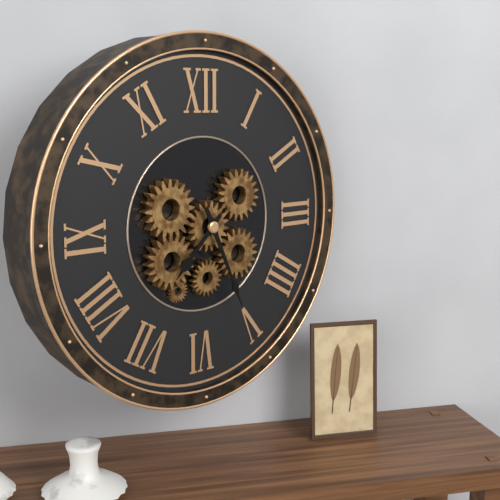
7:26
